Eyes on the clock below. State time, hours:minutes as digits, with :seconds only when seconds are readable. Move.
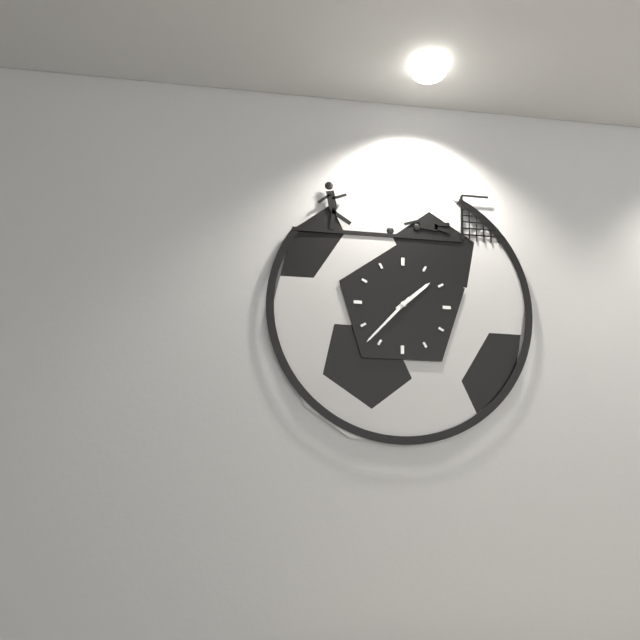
1:37
